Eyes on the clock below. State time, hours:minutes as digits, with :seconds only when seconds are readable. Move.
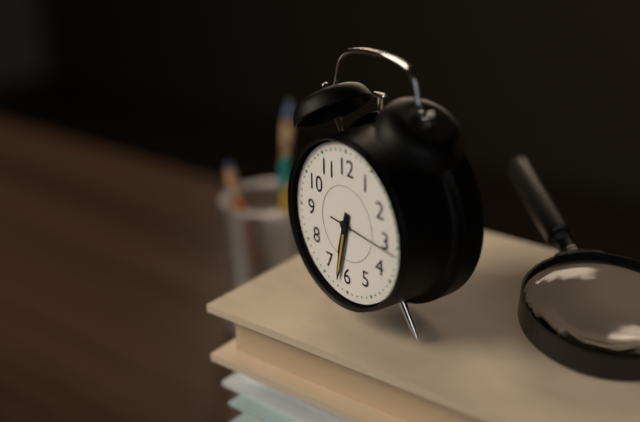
6:32:16
